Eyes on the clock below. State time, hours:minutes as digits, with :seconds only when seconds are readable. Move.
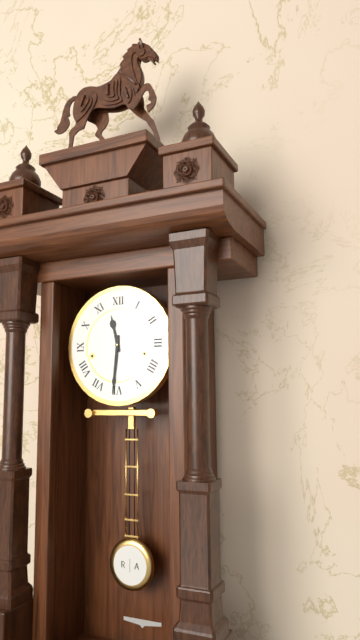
11:31
